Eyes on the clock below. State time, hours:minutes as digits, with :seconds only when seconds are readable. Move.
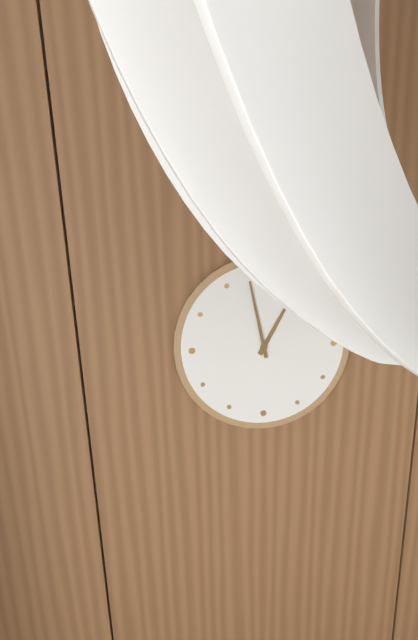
12:58
